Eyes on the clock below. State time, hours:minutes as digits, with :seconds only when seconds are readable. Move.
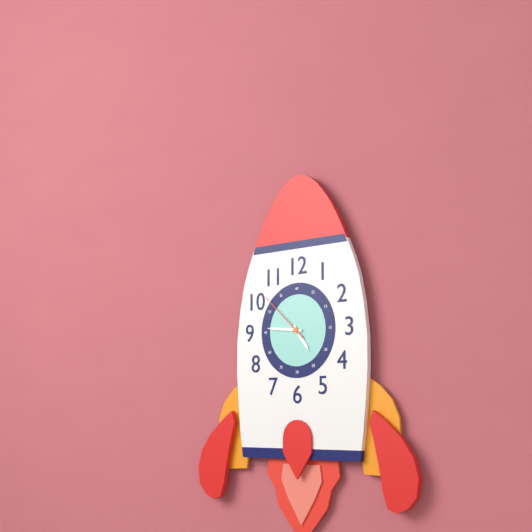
4:46:52
